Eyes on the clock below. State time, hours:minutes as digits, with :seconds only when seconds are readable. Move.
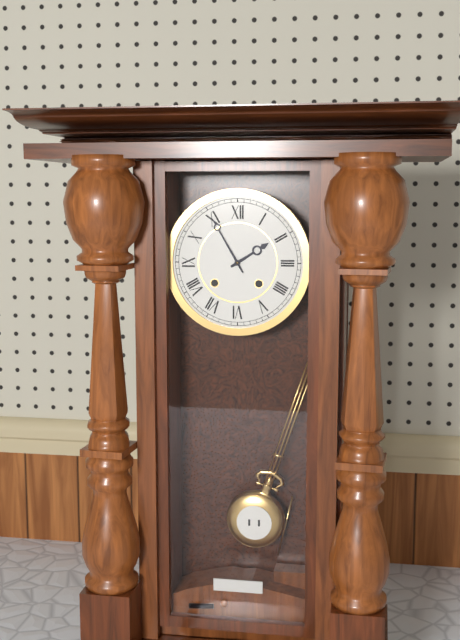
1:55
